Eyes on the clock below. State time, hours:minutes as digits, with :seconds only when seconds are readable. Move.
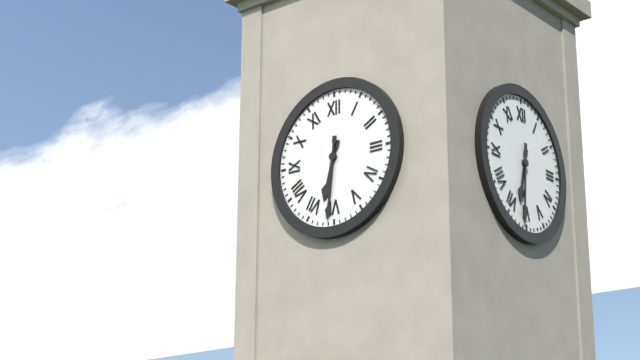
6:31
